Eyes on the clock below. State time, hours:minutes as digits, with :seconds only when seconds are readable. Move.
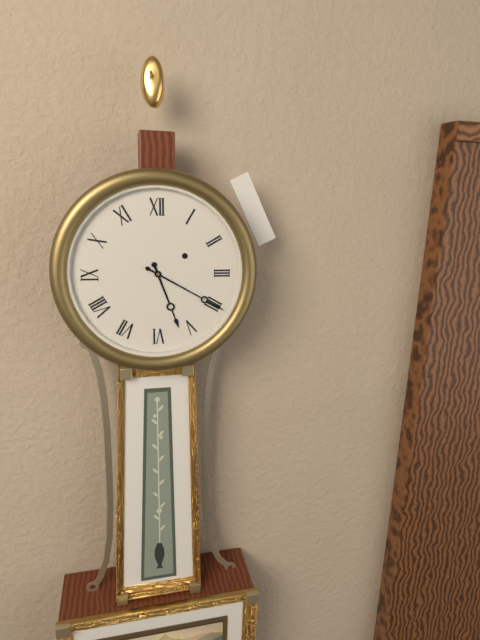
5:20
